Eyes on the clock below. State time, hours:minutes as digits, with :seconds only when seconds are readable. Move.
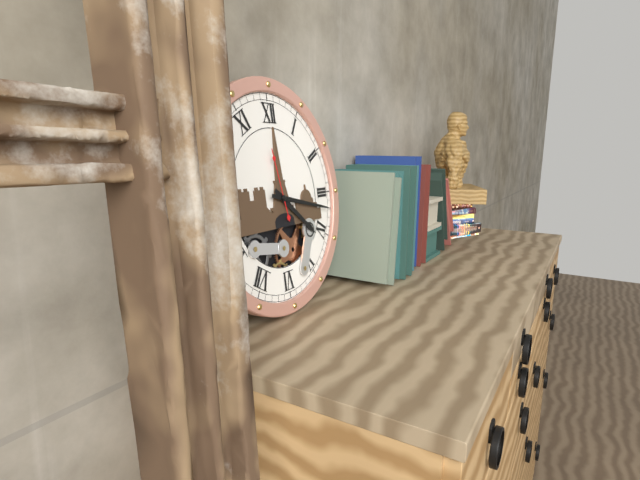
4:17:58
